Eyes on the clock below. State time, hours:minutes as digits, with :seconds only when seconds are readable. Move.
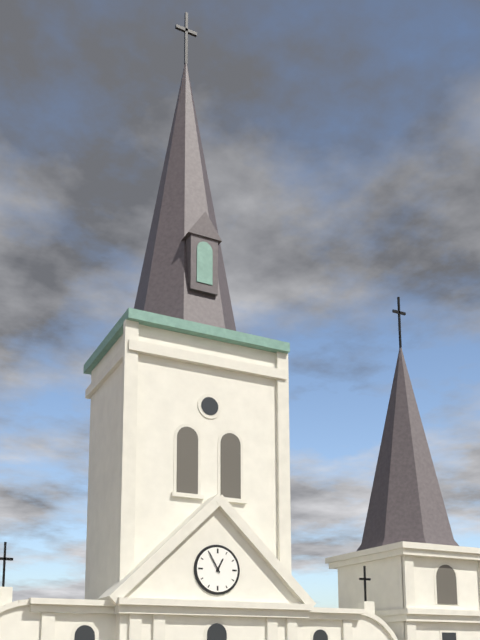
12:55
